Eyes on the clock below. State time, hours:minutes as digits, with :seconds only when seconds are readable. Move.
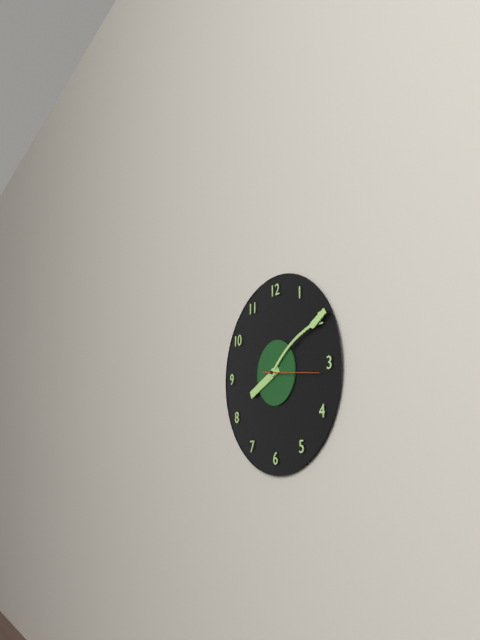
8:10:16
